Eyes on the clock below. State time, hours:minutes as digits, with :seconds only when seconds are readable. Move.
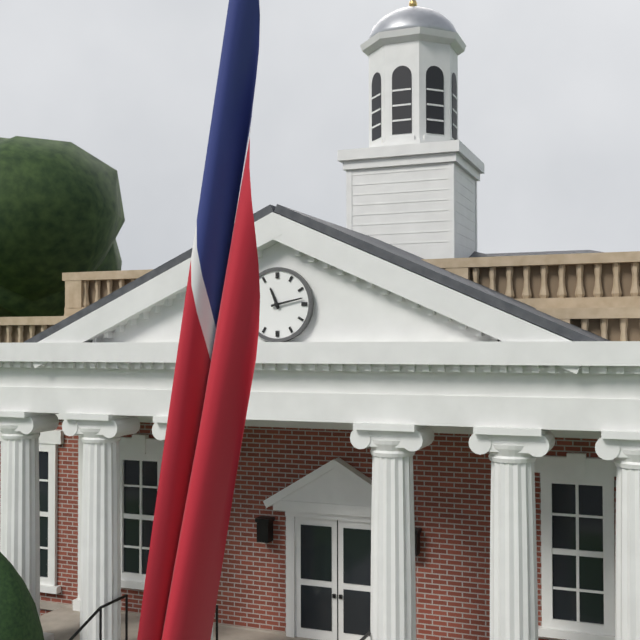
11:13
